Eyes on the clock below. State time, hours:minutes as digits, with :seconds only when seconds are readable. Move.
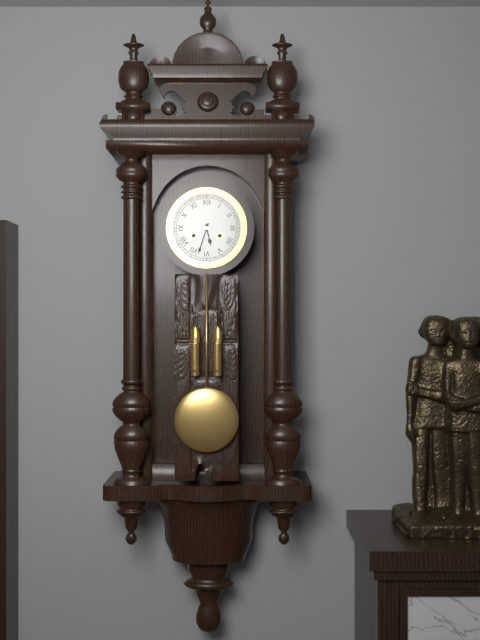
5:33
